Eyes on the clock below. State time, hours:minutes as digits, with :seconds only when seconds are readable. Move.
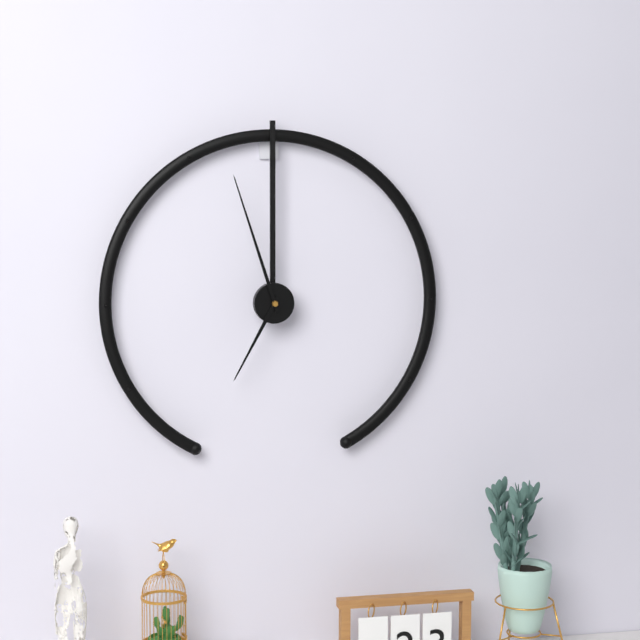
6:57
